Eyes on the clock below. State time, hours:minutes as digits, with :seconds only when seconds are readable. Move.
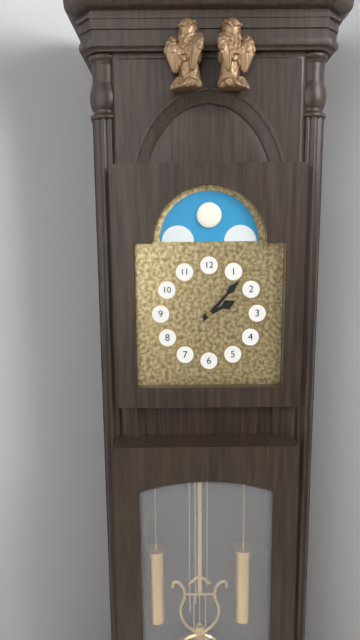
2:07
